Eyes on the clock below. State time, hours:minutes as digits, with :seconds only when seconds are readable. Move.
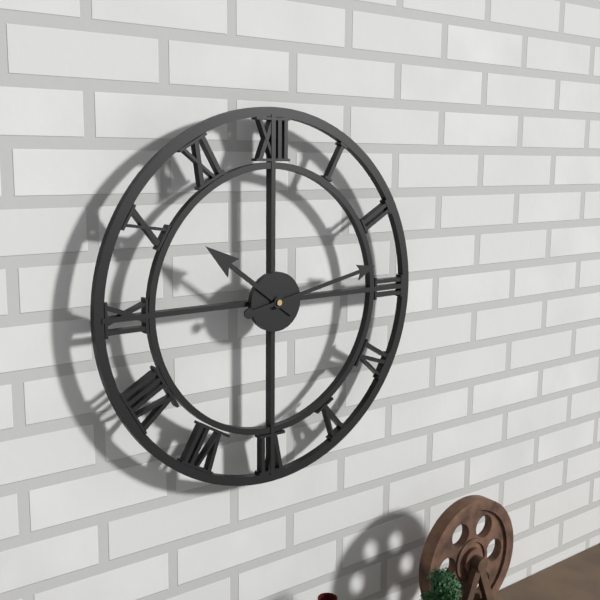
10:13
